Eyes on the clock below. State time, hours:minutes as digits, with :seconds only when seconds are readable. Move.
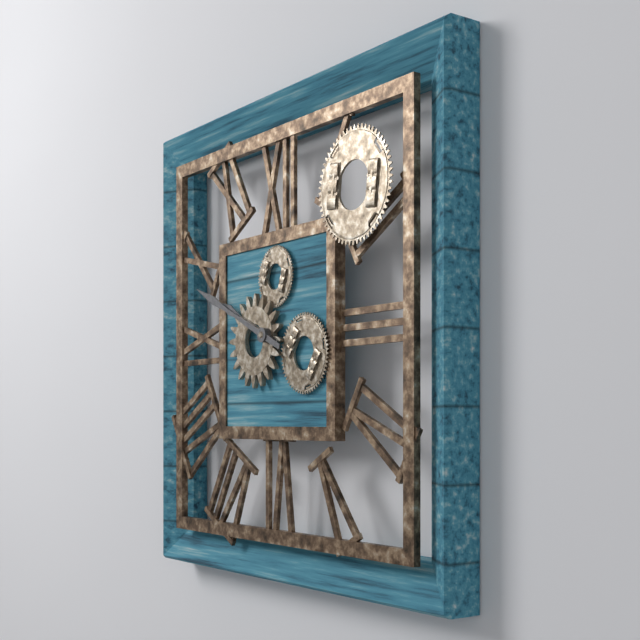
9:49
